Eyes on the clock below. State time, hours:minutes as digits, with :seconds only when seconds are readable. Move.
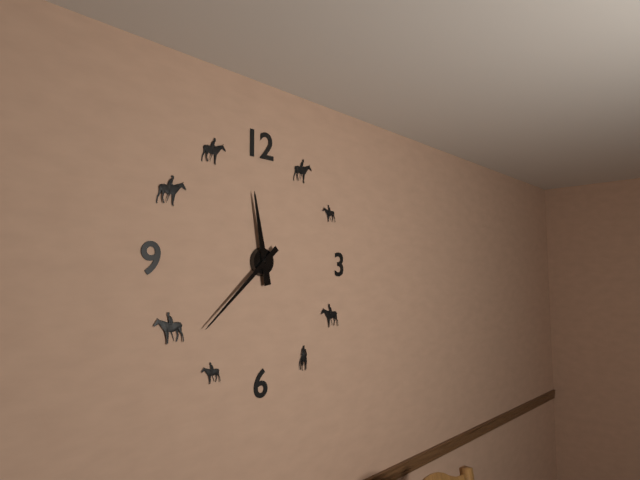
11:38
